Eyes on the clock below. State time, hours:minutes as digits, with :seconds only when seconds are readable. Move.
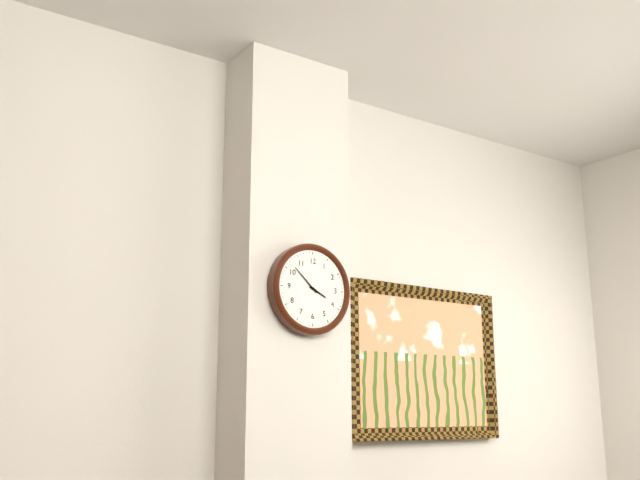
3:52
